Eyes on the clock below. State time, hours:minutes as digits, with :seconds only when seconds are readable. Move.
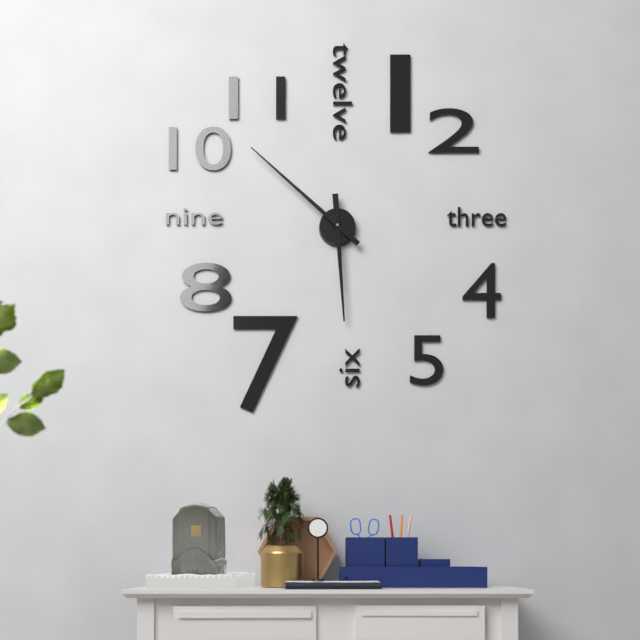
5:52
